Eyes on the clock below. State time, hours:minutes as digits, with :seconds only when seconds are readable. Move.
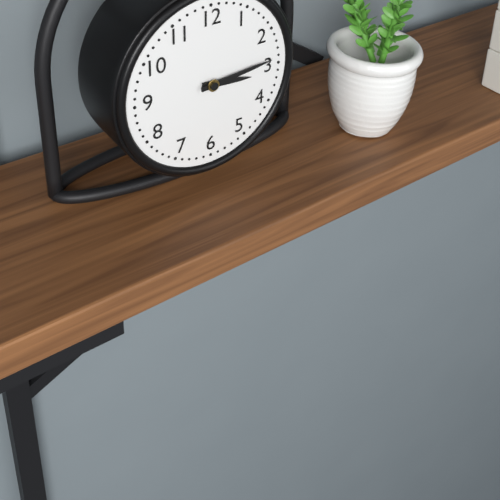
3:14
